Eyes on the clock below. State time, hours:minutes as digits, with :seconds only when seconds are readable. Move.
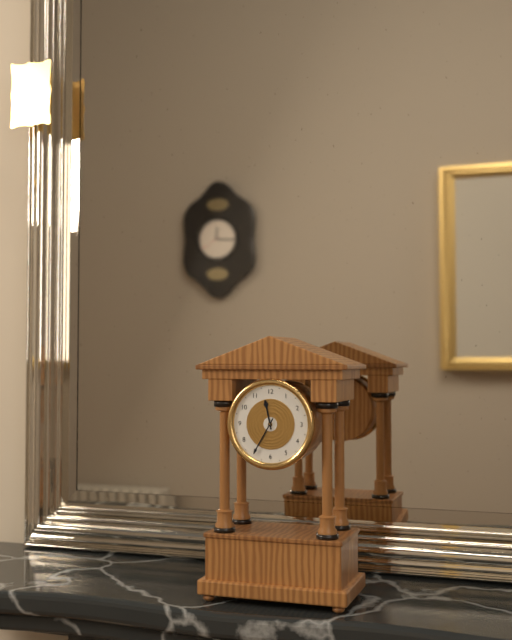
11:35
